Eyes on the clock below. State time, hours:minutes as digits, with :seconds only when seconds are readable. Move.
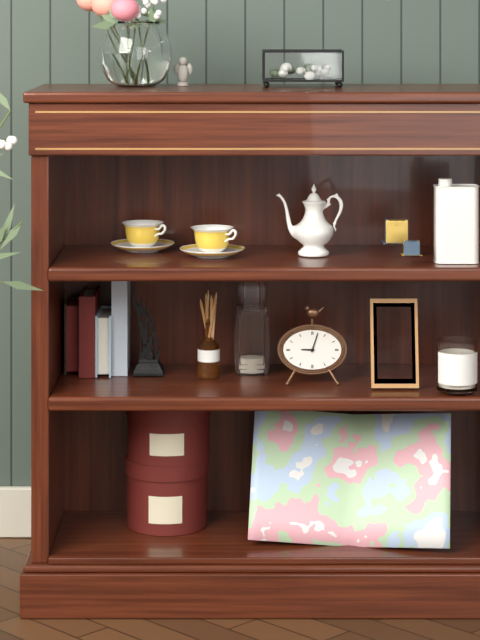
9:03
